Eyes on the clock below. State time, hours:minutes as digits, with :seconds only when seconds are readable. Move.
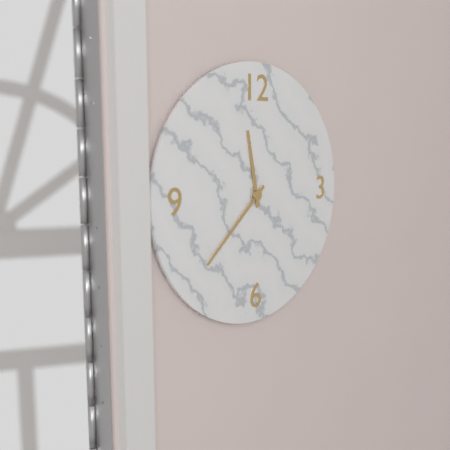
11:38
